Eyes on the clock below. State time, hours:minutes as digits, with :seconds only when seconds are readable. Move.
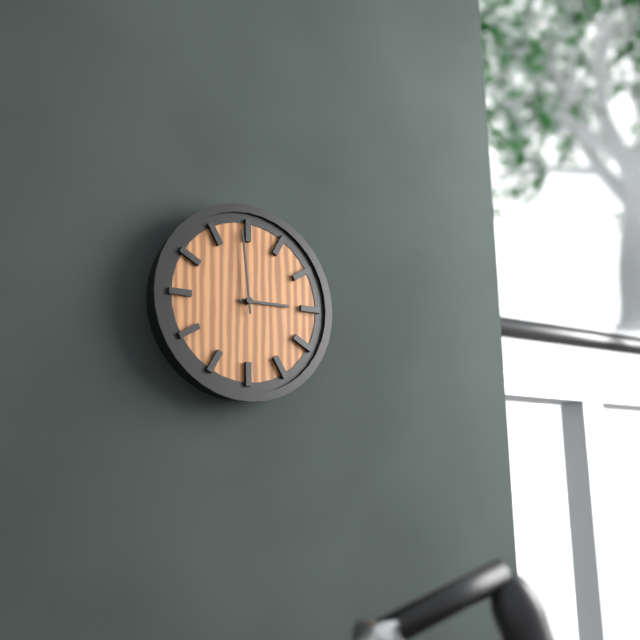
2:59
